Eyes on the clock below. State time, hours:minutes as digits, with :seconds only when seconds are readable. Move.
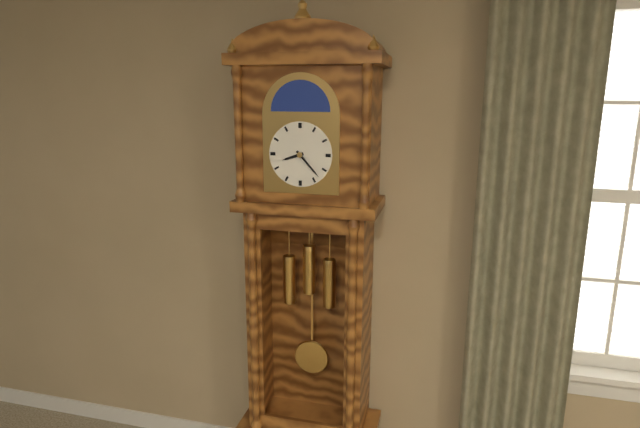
8:23
